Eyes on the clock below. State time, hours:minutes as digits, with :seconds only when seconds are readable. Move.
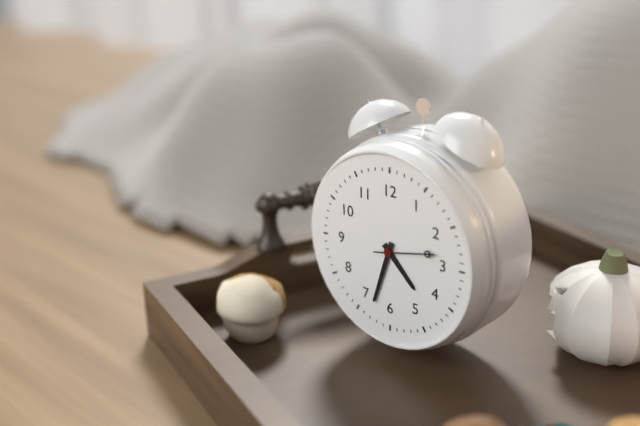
4:33:13
